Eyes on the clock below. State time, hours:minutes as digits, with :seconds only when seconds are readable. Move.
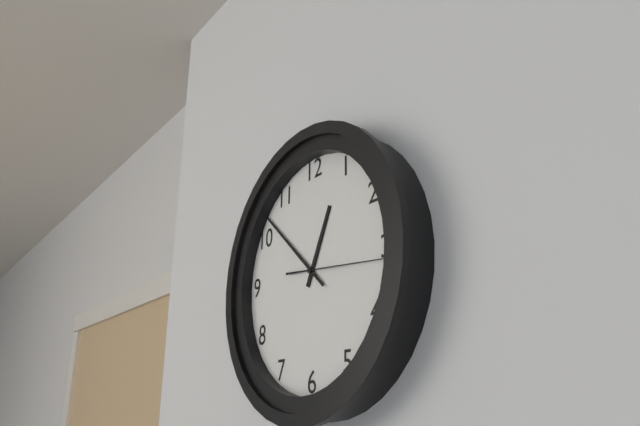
12:52:16
